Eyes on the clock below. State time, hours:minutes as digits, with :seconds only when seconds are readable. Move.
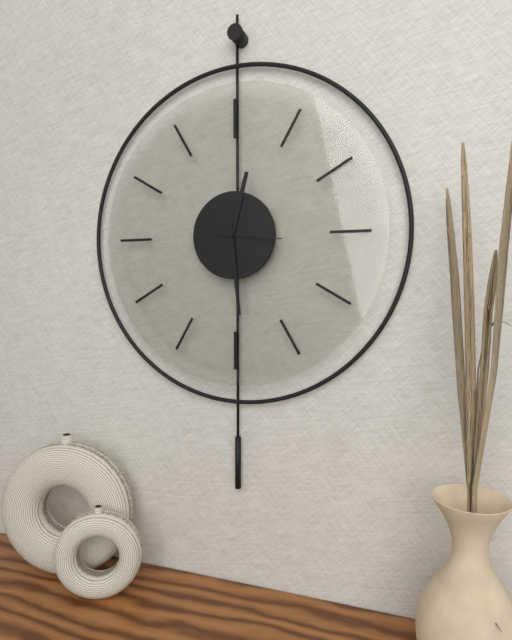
12:29:16
